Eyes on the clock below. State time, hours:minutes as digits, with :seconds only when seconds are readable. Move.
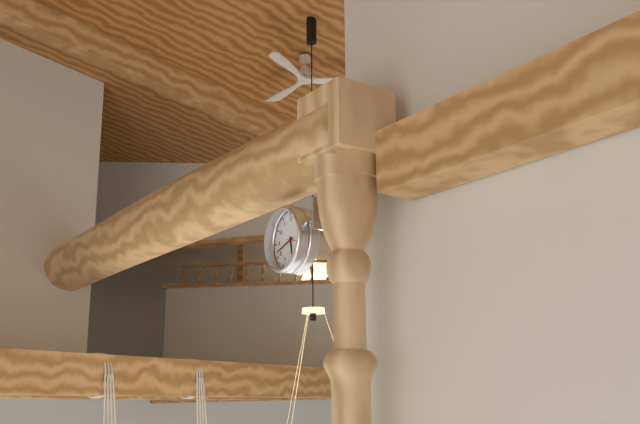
5:42
